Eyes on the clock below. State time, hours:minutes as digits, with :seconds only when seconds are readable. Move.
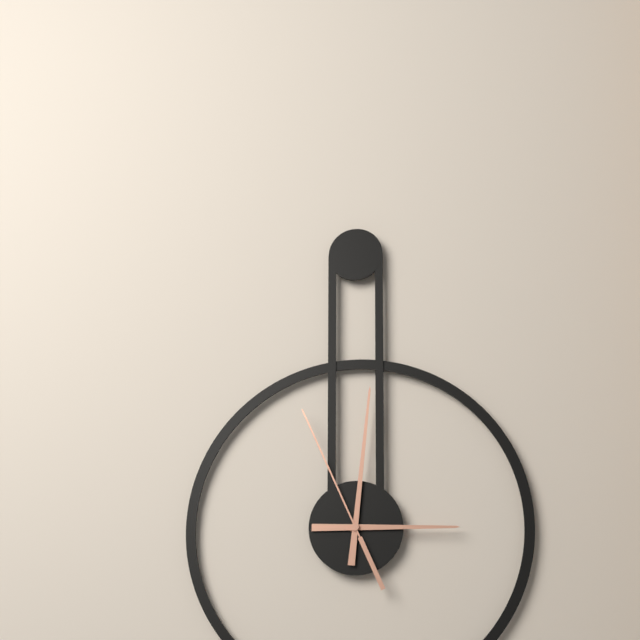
3:01:56
